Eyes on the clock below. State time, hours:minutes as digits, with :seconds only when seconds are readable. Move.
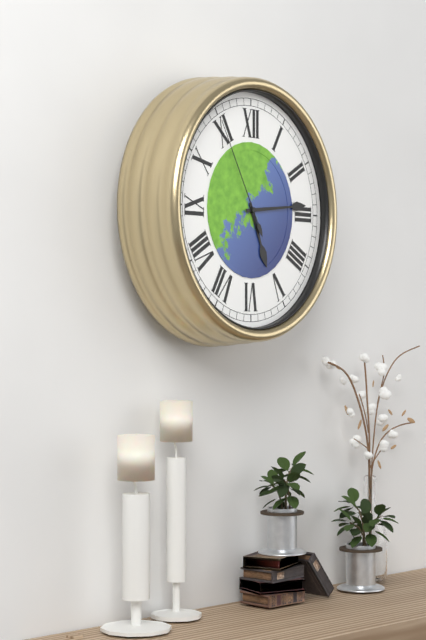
5:14:55
